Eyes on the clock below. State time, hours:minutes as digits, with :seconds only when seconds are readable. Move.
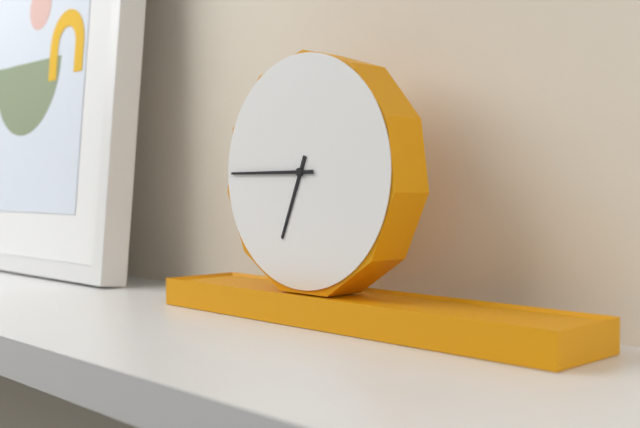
6:45
